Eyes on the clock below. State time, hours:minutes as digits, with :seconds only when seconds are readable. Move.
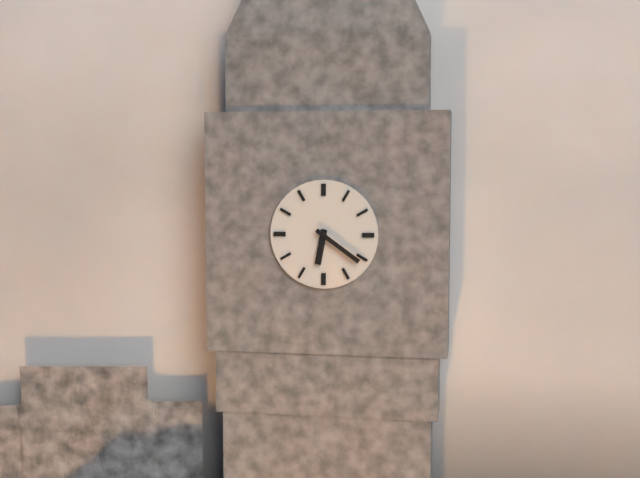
6:21
